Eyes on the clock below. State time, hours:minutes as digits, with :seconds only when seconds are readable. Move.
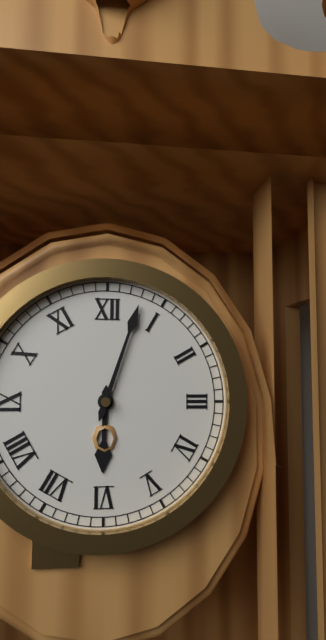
6:03
